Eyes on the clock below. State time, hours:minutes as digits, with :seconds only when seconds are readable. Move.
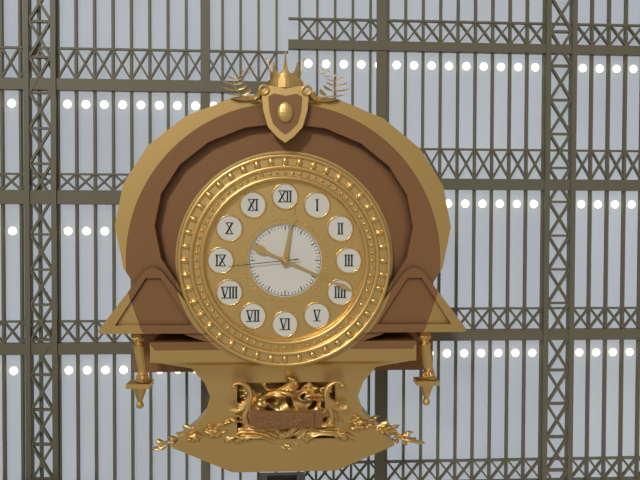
12:19:44
